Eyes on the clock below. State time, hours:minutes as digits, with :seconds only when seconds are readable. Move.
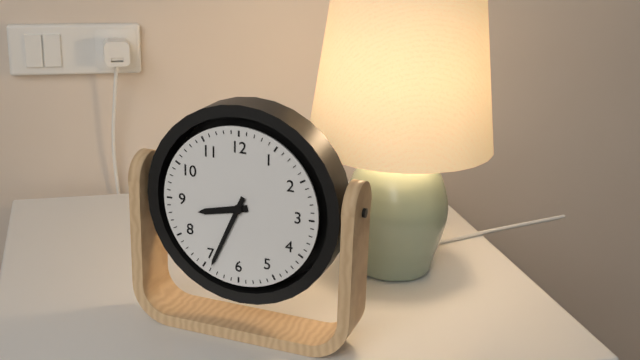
8:34
